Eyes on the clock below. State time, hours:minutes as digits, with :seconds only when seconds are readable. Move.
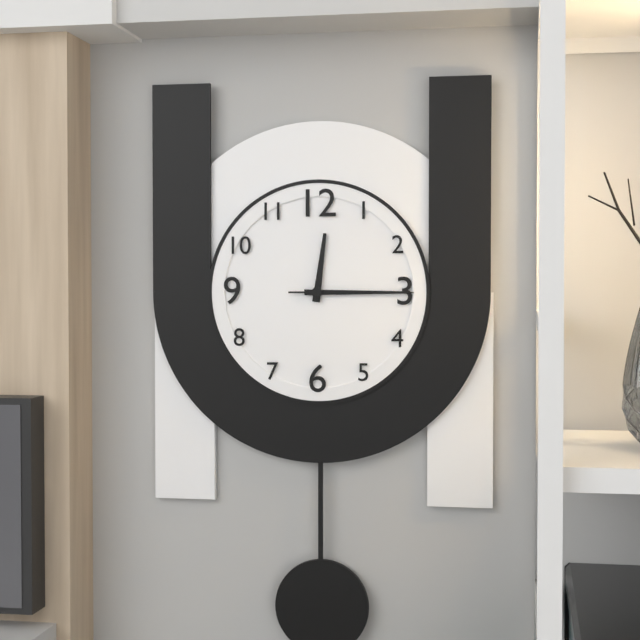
12:15:15
